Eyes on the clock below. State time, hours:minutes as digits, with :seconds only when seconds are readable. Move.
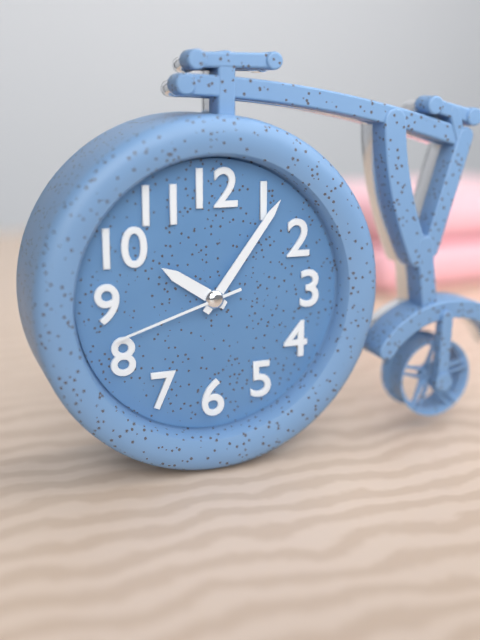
10:06:42
